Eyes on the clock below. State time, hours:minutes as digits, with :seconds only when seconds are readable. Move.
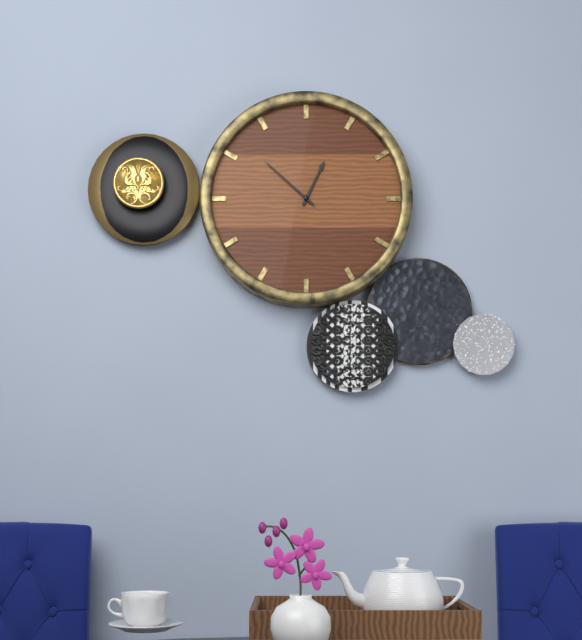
12:52
